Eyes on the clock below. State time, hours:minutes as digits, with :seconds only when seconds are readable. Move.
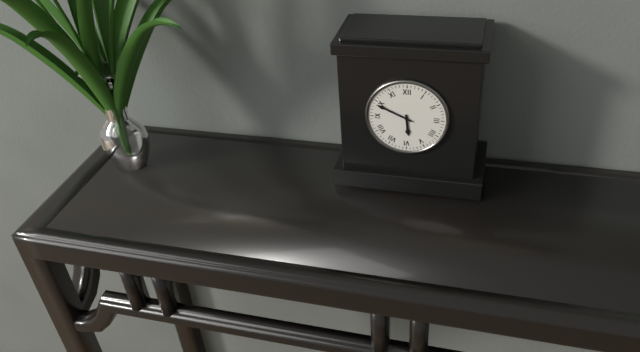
5:49
